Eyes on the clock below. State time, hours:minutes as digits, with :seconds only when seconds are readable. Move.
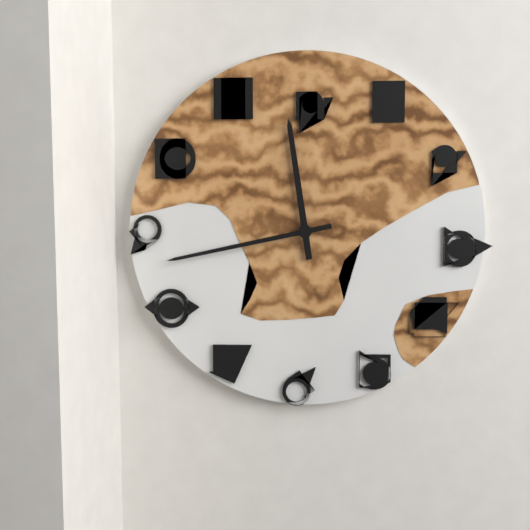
11:43
